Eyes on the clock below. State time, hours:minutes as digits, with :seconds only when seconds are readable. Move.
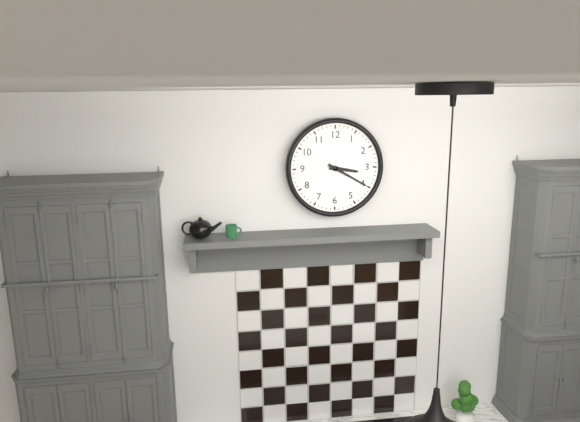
3:20
